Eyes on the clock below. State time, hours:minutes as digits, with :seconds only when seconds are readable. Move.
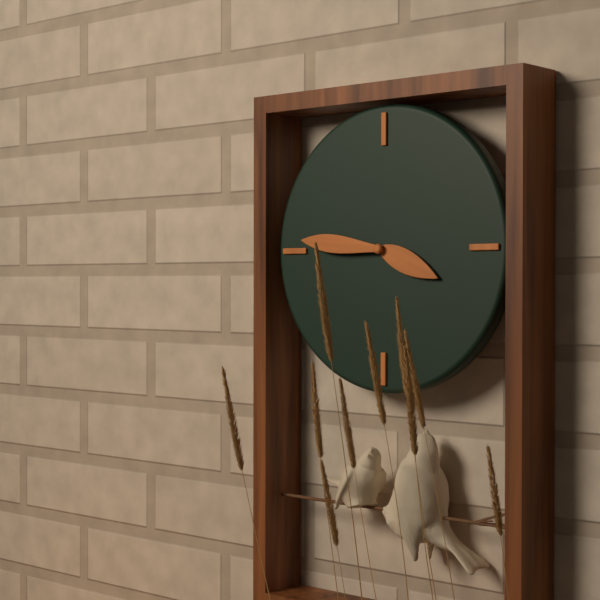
3:46
